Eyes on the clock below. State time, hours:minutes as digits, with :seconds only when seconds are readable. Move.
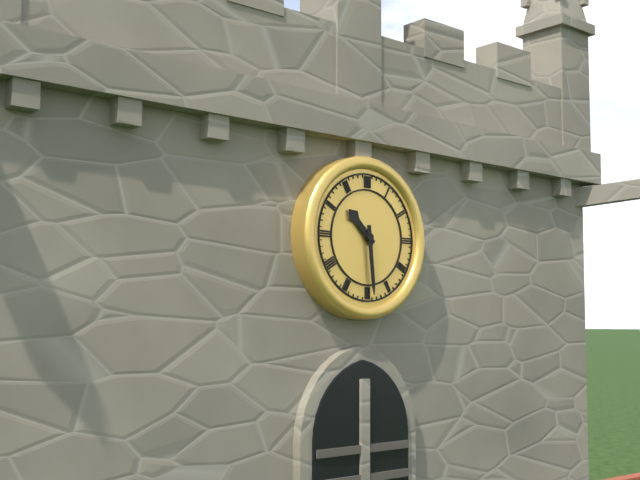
10:29
